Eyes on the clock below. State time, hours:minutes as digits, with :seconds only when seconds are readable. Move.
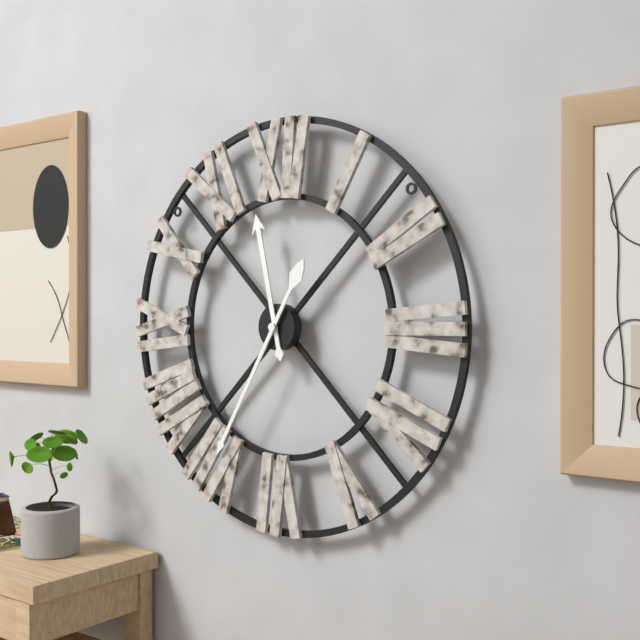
11:35
